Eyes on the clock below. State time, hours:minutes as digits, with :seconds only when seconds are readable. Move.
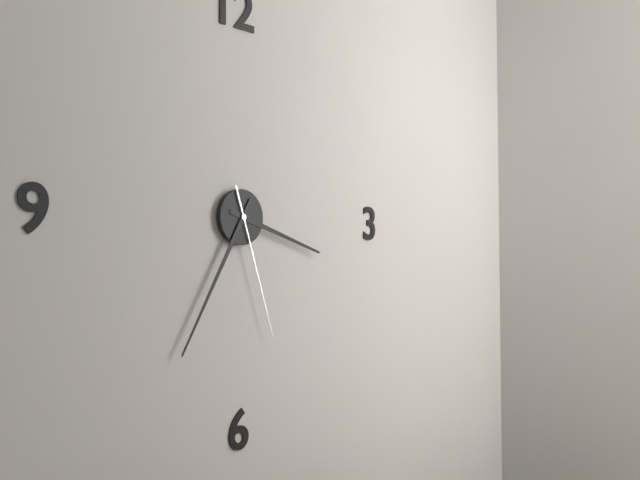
3:35:27
